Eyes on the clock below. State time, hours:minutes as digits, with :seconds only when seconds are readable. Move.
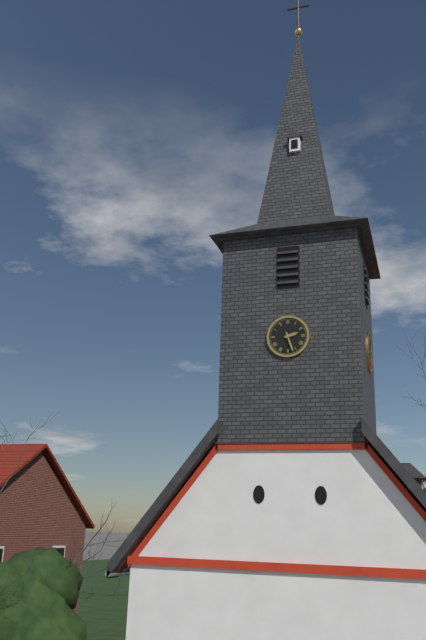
2:27
